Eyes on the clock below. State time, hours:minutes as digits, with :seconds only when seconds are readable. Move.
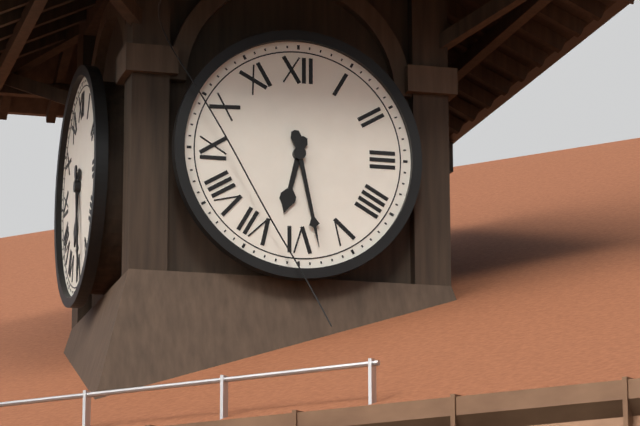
6:28
